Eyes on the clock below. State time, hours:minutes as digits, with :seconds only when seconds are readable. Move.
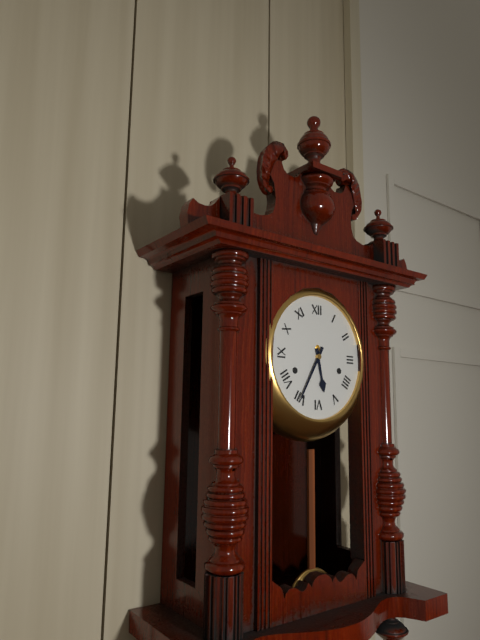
5:35
